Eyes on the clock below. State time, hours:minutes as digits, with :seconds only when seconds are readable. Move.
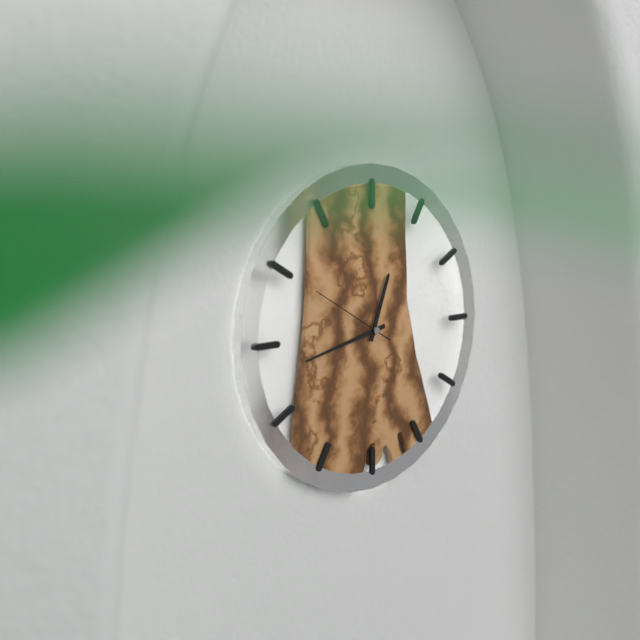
12:43:50
